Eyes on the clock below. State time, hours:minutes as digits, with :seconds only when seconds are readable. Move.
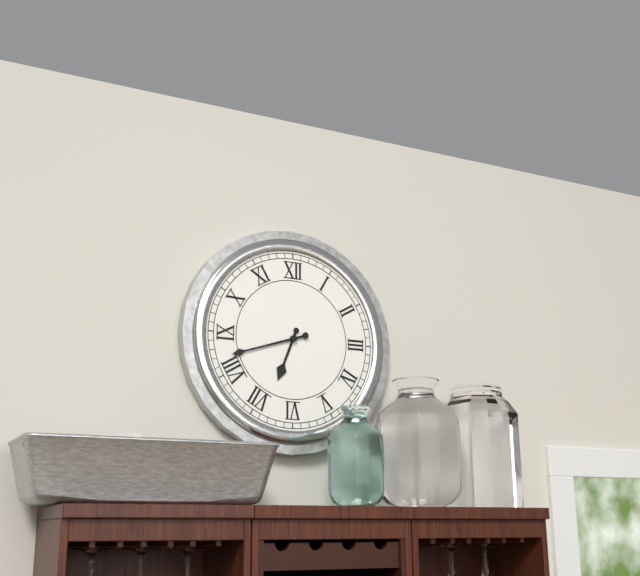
6:42
